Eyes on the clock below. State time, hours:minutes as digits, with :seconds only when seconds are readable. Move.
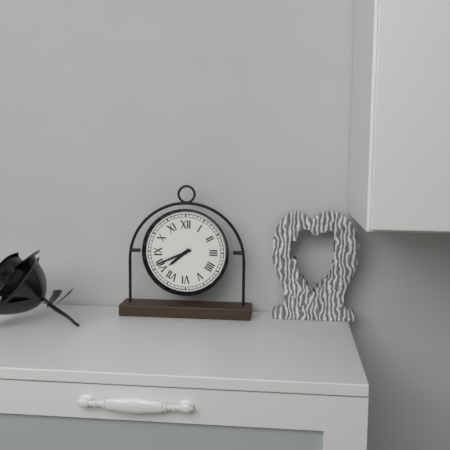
7:41
